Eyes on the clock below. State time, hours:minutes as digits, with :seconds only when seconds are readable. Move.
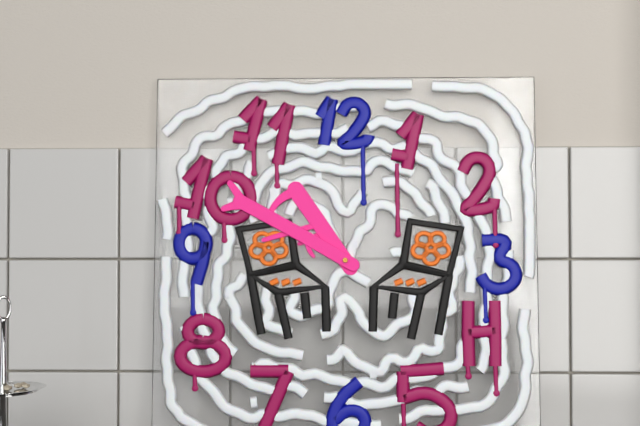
10:50
